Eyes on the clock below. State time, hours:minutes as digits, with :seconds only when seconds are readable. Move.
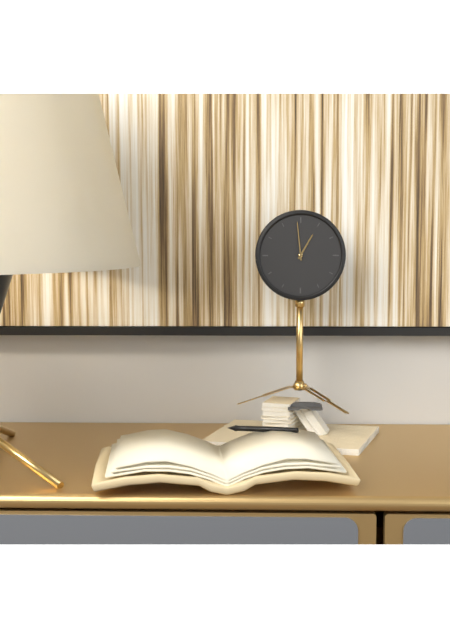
12:59
